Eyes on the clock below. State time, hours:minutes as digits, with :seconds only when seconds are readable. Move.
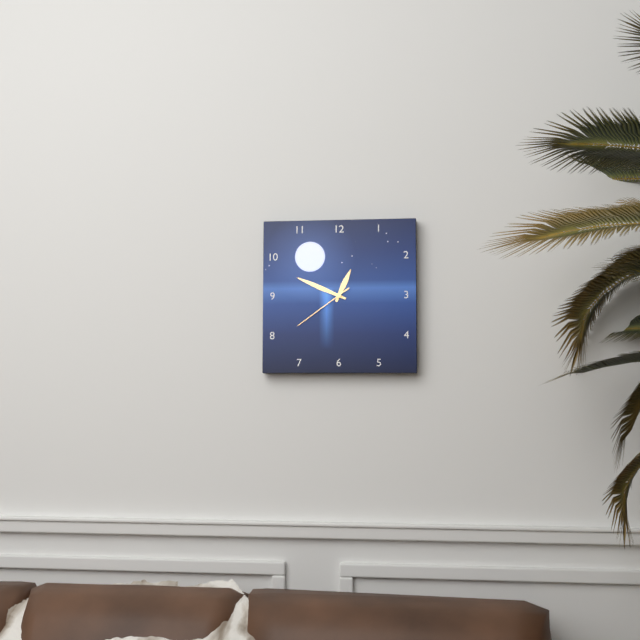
12:49:39
